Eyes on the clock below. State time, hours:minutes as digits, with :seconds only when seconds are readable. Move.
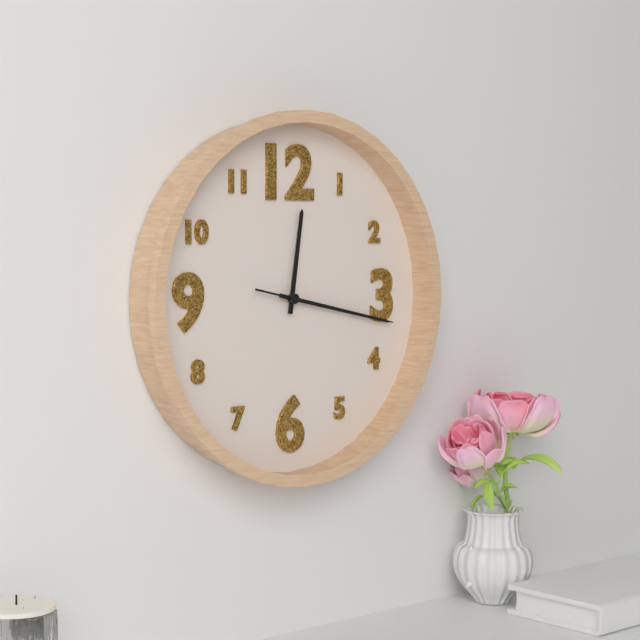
12:17:17
